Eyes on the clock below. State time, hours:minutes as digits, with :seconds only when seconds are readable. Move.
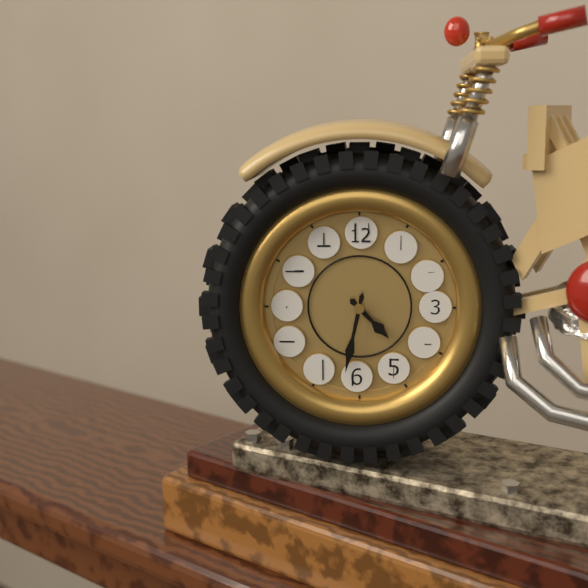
4:32
